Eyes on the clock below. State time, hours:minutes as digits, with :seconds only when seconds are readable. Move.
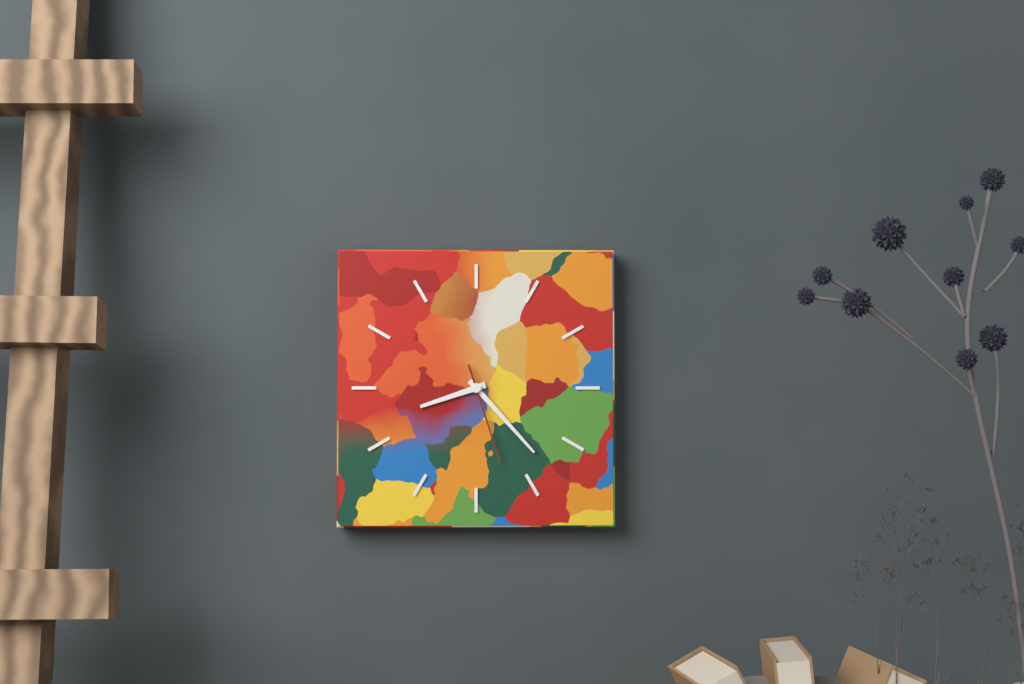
8:23:27
